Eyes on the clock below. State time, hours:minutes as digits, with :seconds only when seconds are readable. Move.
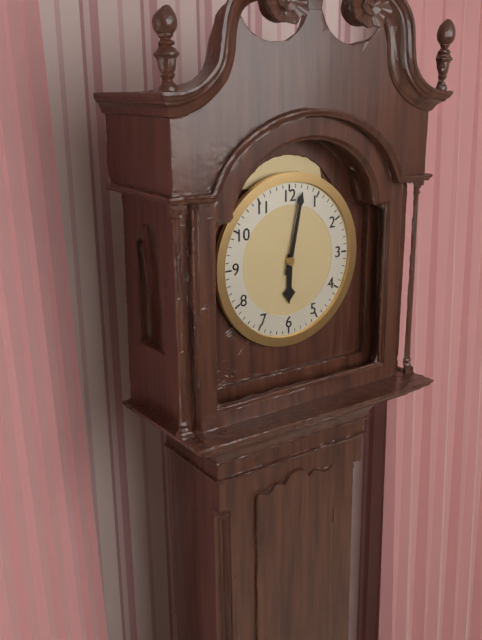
6:02
